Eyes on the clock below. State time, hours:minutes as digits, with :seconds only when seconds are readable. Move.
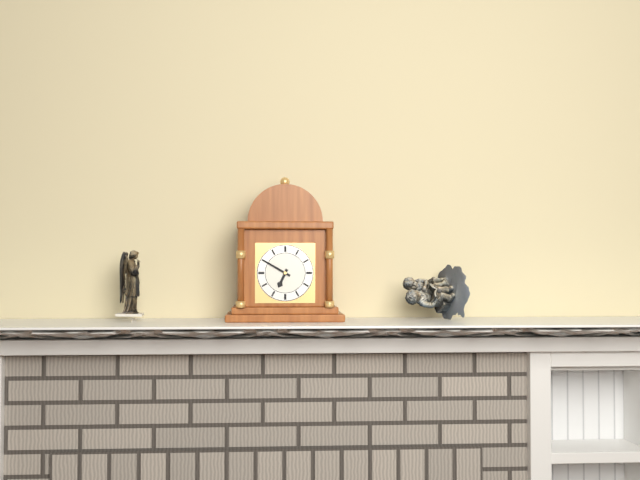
6:50
